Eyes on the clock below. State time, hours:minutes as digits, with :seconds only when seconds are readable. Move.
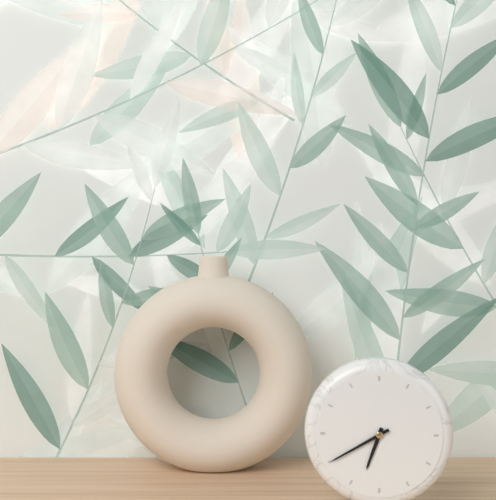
6:40
